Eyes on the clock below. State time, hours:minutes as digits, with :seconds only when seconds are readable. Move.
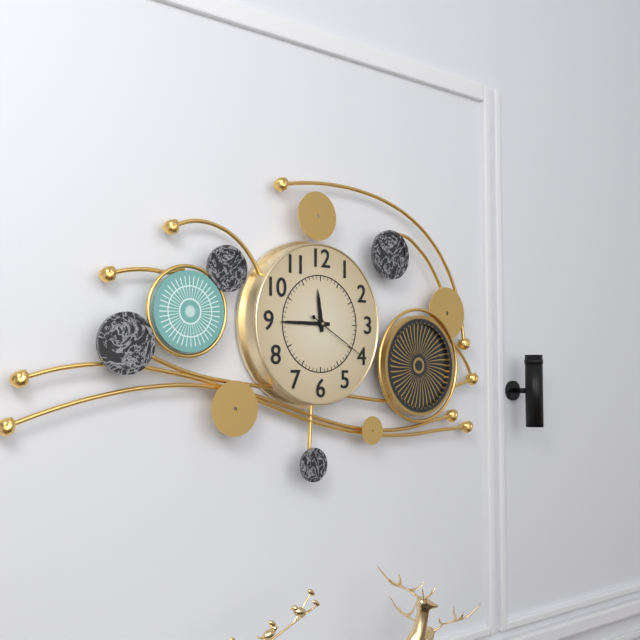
11:45:20
